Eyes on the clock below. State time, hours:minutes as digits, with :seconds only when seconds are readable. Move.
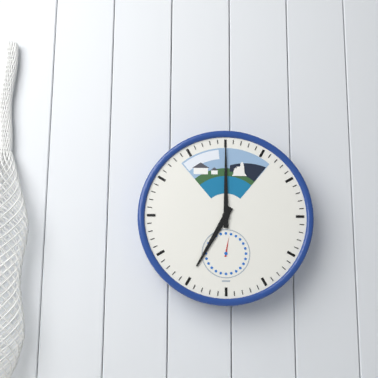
7:00
